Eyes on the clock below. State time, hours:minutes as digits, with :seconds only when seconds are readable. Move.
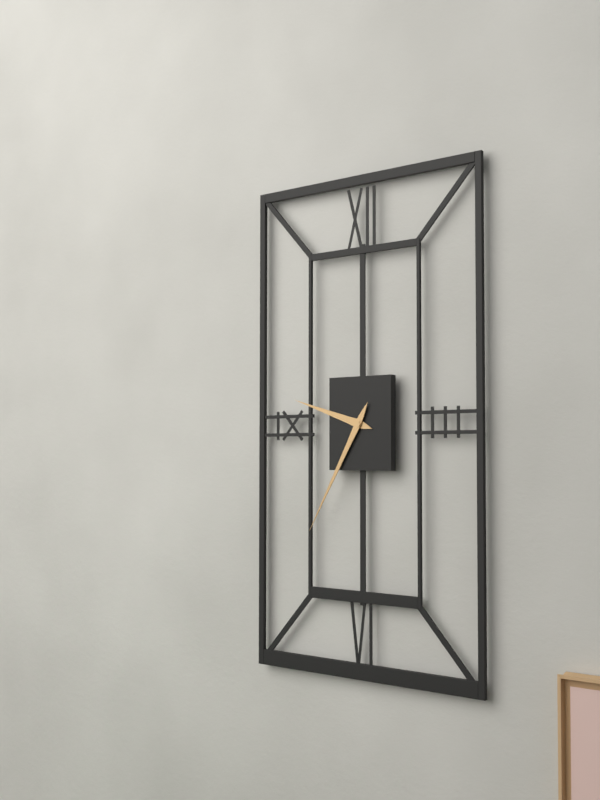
9:35
